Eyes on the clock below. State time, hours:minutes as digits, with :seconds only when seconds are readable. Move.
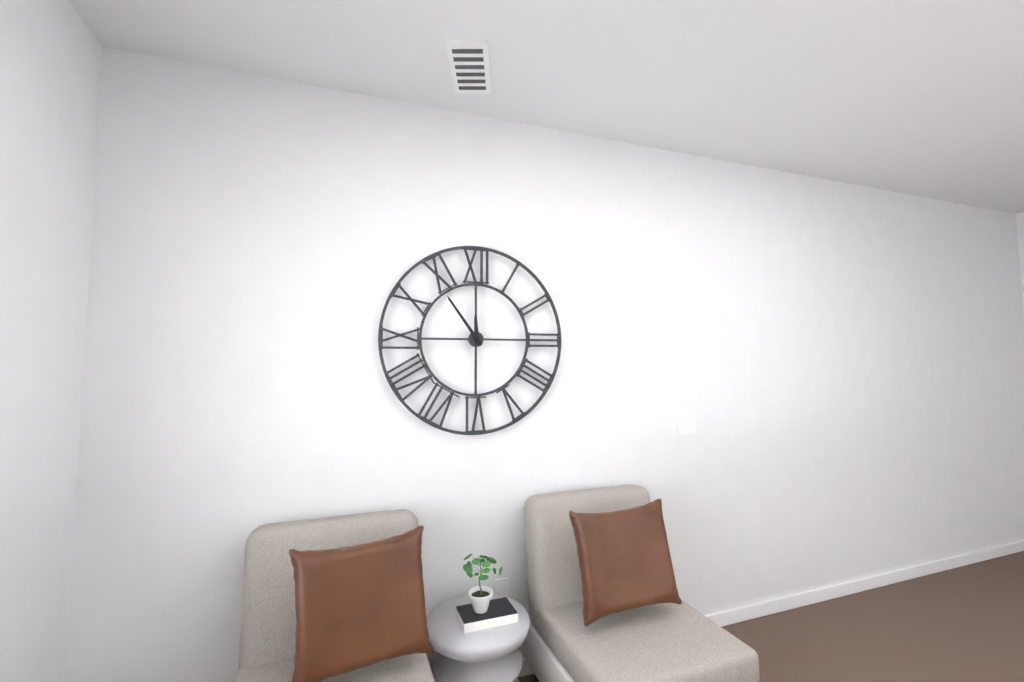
11:54
